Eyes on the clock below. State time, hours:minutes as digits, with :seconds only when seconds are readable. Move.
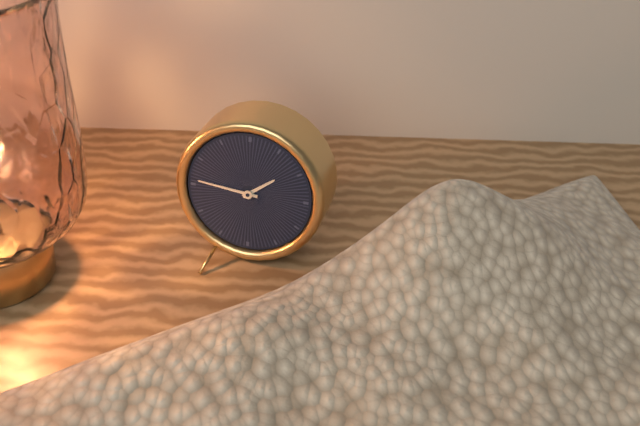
1:46
